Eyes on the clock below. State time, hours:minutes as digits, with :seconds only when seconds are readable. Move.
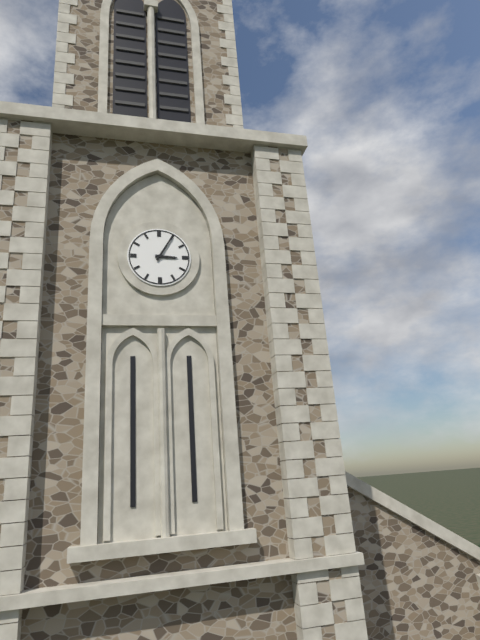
3:05
